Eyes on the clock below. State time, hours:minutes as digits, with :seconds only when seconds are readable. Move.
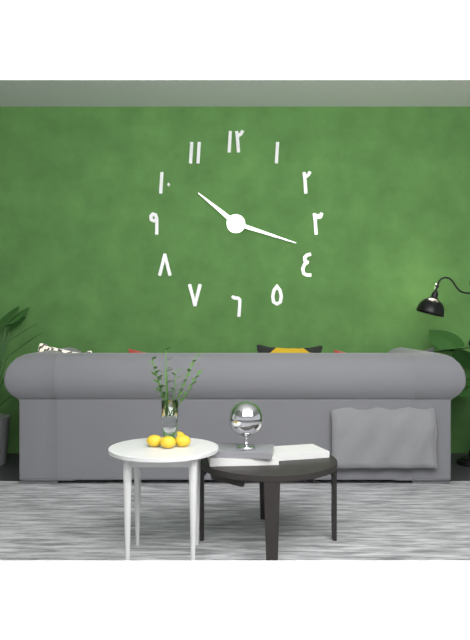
10:18
